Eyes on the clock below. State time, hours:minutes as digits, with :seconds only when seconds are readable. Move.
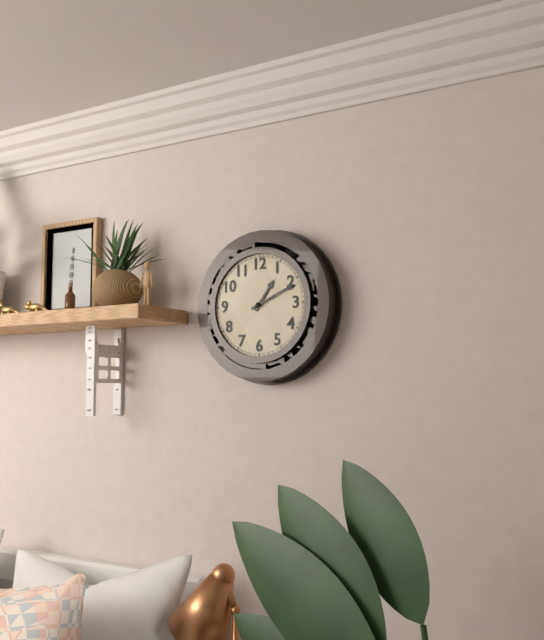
1:11
